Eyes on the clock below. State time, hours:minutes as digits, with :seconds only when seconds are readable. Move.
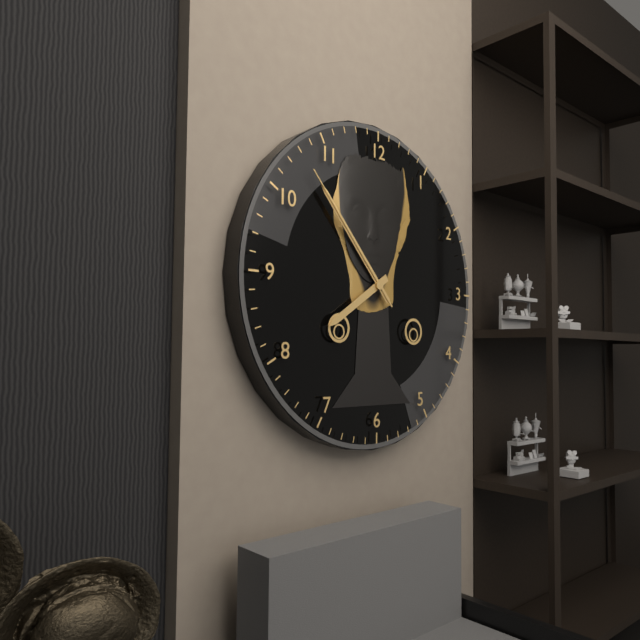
7:53:53
